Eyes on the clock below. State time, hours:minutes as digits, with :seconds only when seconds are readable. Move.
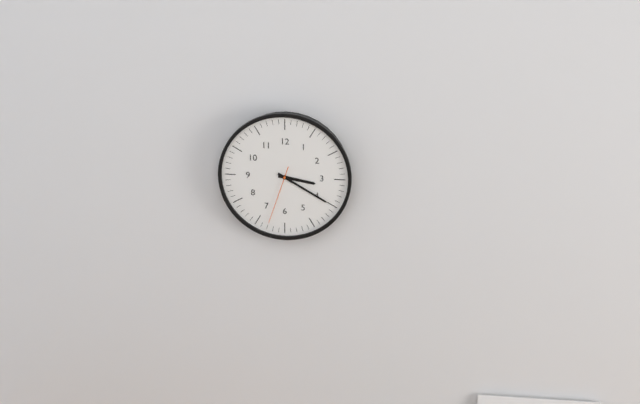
3:20:33
